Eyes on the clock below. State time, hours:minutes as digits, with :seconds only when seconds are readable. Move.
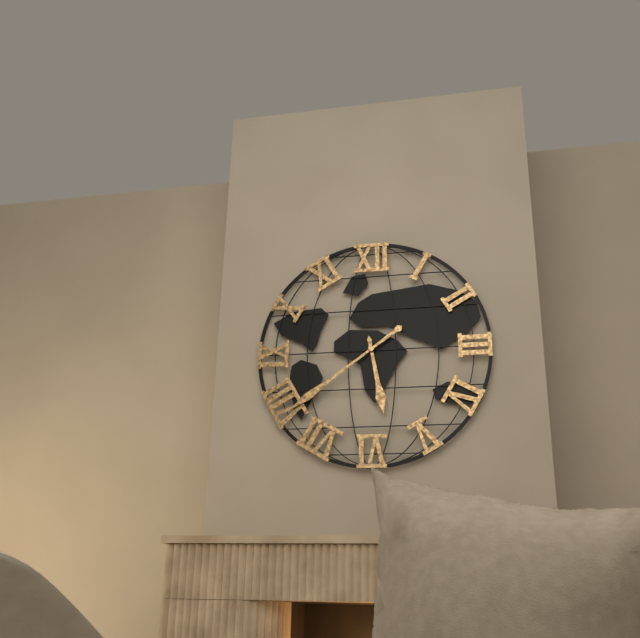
5:39
